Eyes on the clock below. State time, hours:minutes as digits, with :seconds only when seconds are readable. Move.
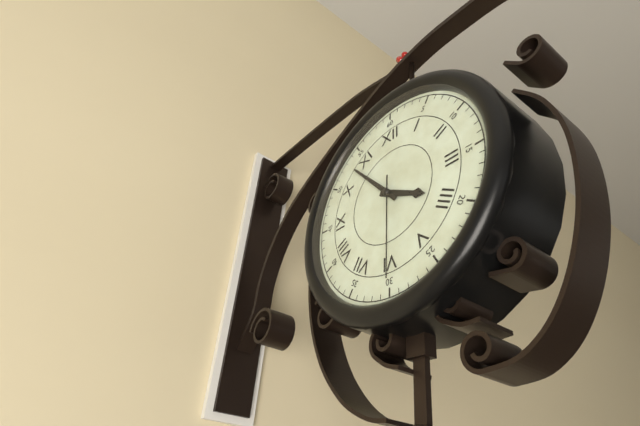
3:53:30
